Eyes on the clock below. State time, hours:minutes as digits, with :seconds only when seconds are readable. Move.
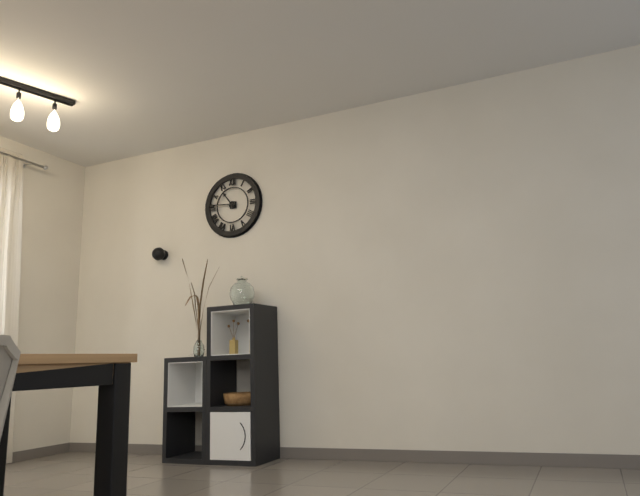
10:46
